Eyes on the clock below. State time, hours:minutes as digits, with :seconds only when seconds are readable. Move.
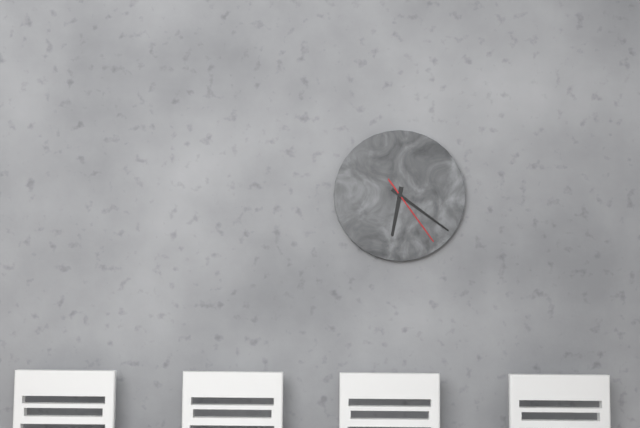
6:21:24
